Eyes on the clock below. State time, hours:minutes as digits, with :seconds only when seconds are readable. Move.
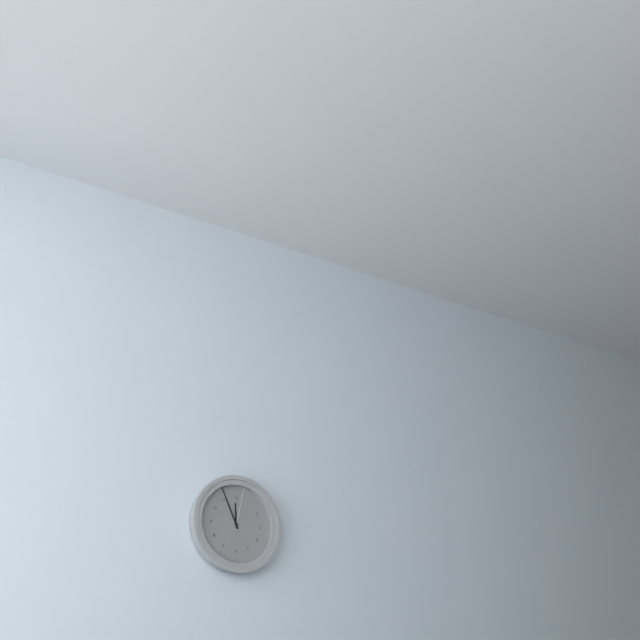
11:56
